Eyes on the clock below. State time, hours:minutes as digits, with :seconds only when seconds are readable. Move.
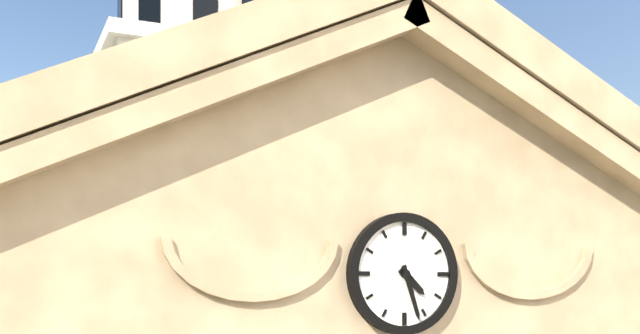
4:27
